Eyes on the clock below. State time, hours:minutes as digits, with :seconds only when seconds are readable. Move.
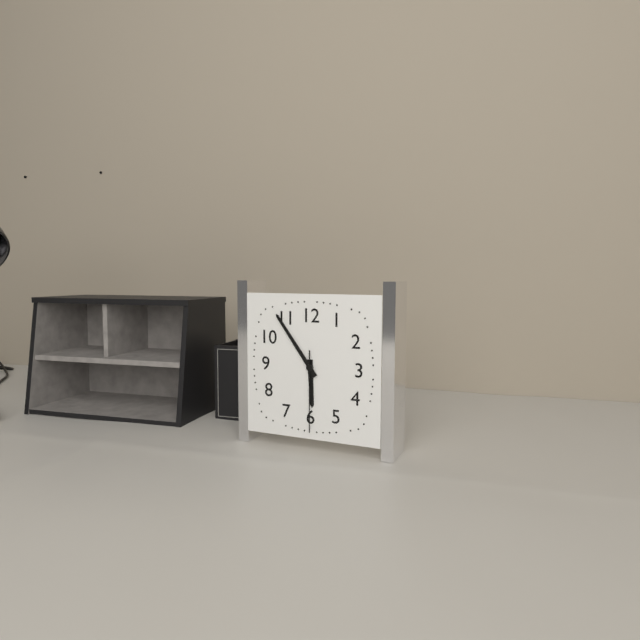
5:54:30
